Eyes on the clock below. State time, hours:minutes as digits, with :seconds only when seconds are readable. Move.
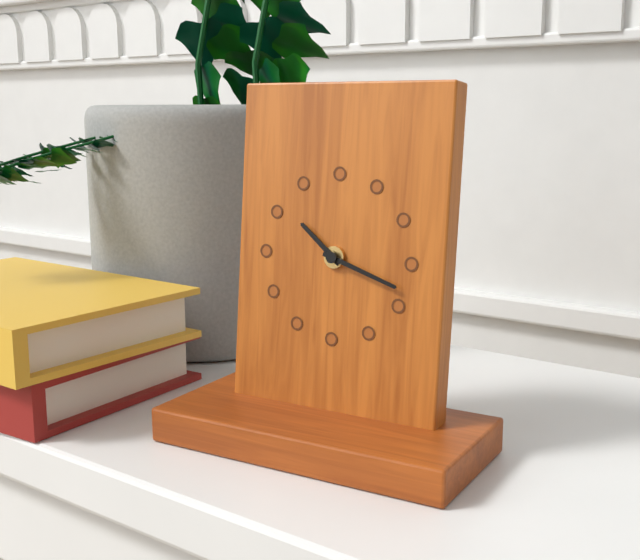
10:18
